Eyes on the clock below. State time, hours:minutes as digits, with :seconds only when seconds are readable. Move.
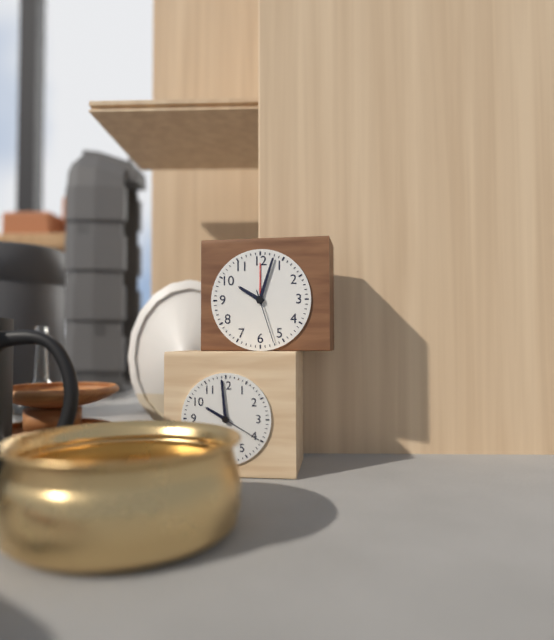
10:03:27
